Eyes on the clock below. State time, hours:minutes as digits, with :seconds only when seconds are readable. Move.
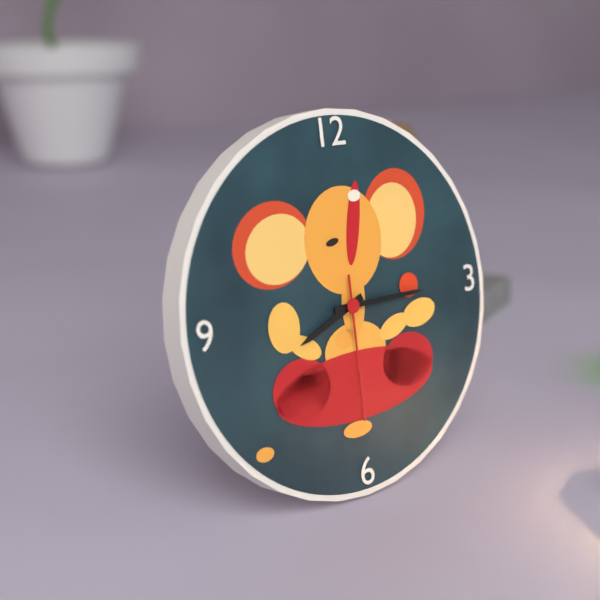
8:15:30
